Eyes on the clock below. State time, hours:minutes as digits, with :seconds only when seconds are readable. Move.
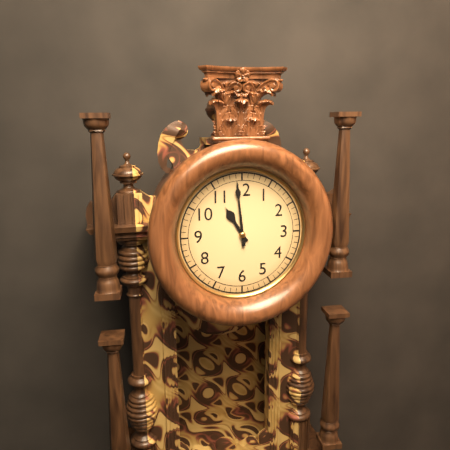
10:59
